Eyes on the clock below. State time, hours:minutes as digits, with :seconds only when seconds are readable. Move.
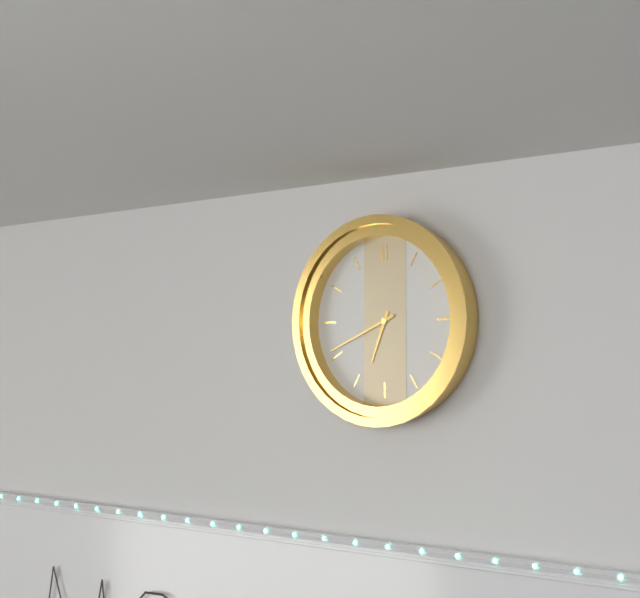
6:41
